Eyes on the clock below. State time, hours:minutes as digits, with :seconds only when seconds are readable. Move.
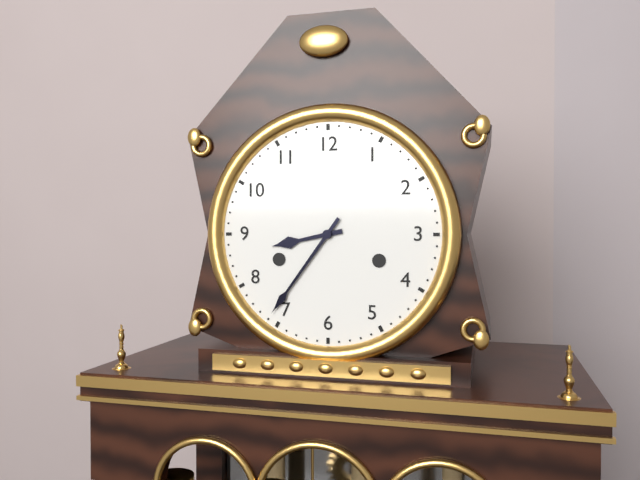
8:36
